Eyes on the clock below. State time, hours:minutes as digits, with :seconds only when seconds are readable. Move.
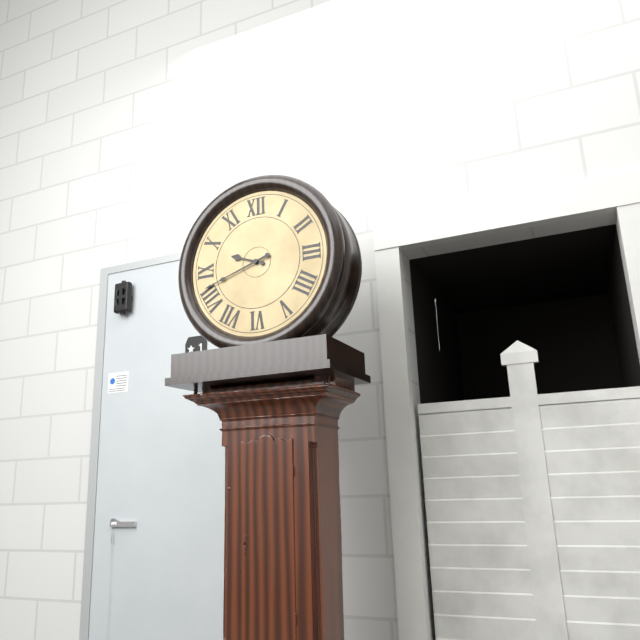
9:42
